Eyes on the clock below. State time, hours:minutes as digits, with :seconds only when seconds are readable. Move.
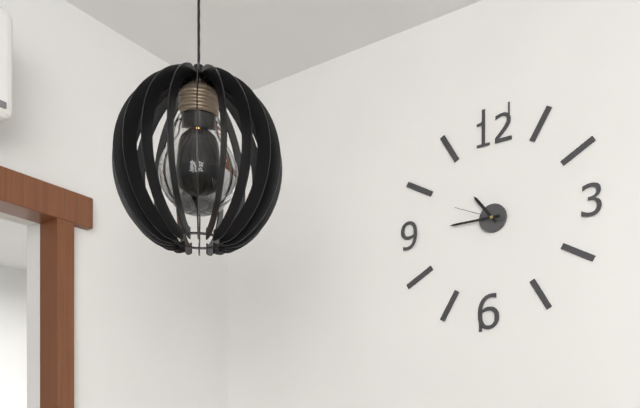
10:45
